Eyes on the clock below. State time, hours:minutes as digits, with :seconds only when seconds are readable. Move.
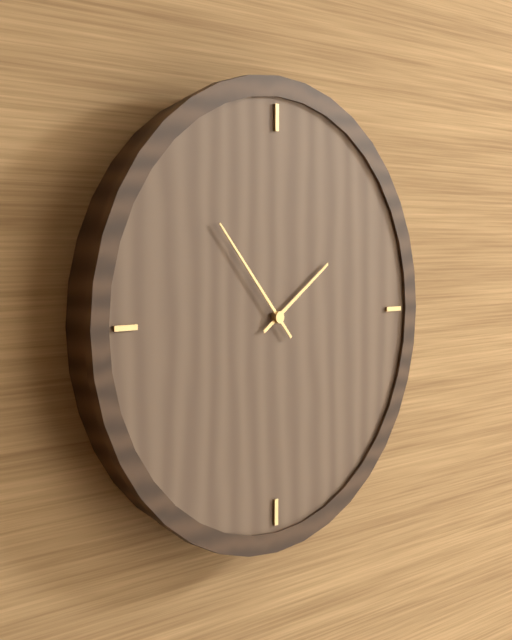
1:53
